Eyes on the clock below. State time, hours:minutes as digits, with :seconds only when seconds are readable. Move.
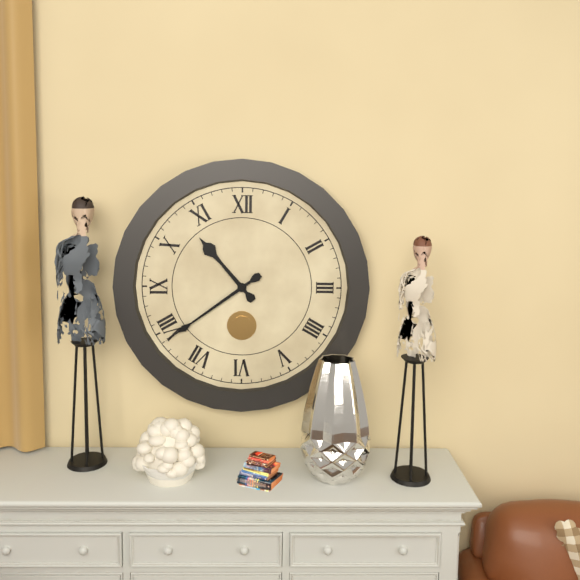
10:39
